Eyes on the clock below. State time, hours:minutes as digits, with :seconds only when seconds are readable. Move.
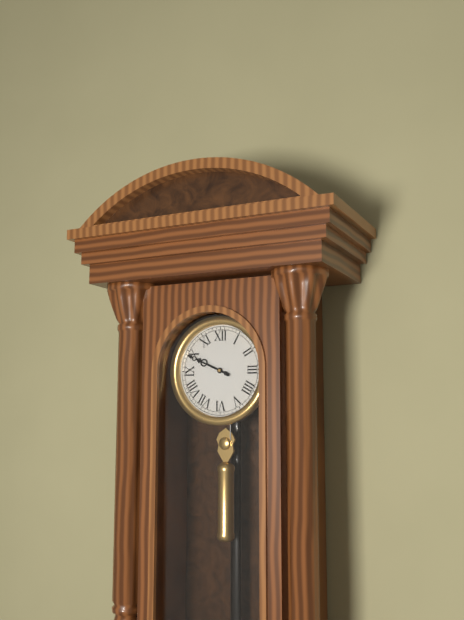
9:49
